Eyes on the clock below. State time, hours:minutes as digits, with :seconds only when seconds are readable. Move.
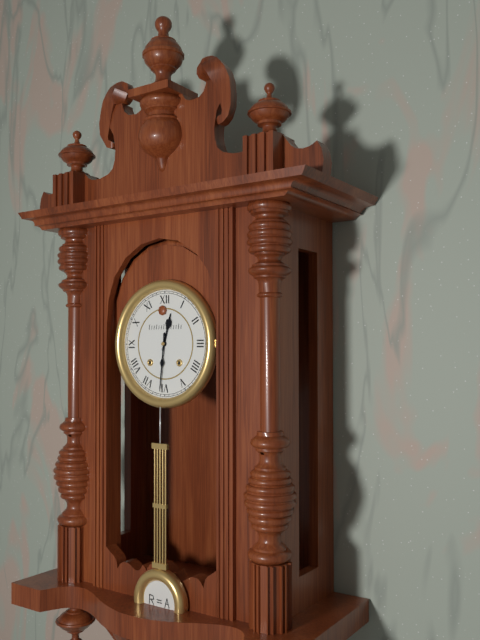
12:31
